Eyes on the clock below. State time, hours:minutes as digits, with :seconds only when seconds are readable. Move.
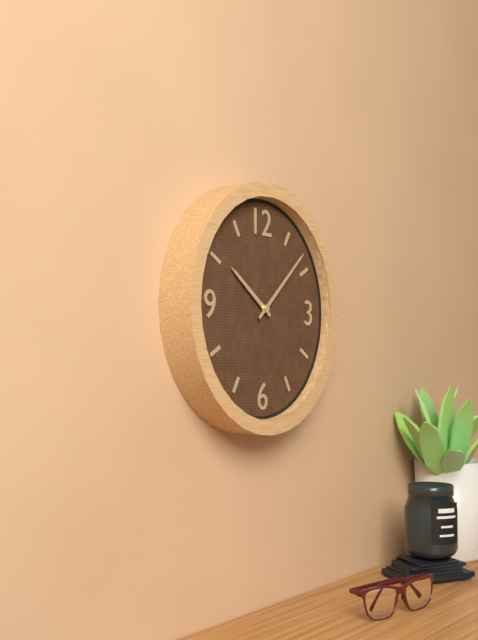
10:08
